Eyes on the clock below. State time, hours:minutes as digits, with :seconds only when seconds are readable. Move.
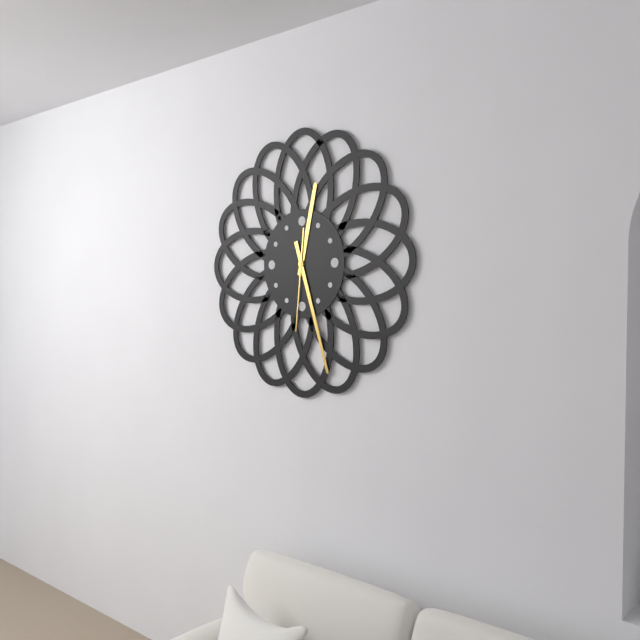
12:27:31
